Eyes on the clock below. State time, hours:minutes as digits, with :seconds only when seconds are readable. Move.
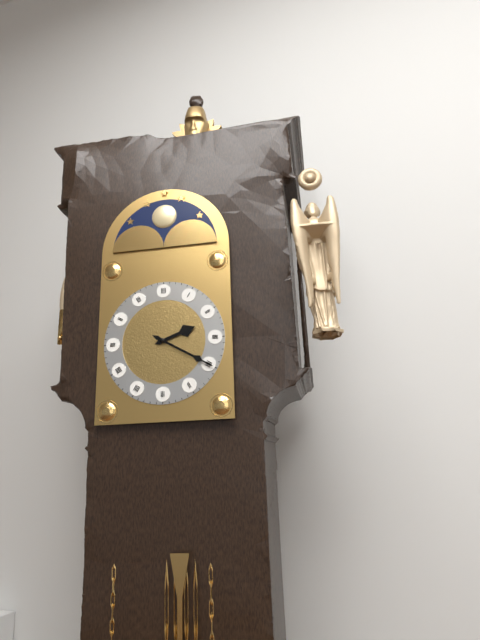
2:20
